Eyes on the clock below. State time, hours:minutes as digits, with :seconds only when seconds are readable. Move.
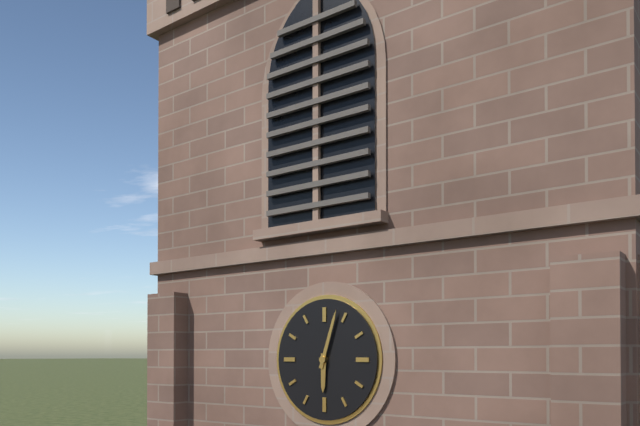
6:03
